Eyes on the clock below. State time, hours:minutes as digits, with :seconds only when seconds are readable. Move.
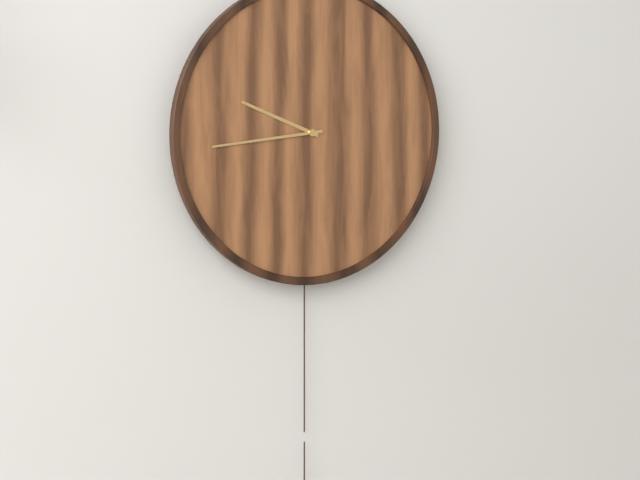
9:44
